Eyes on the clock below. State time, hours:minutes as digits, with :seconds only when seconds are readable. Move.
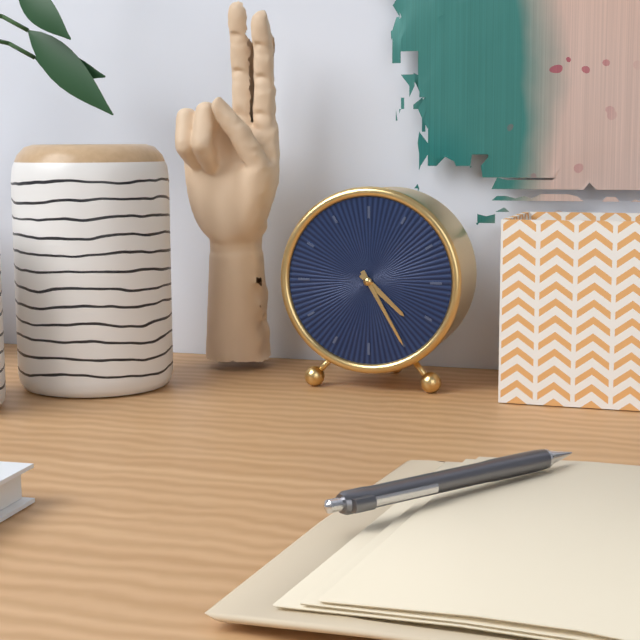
4:25
